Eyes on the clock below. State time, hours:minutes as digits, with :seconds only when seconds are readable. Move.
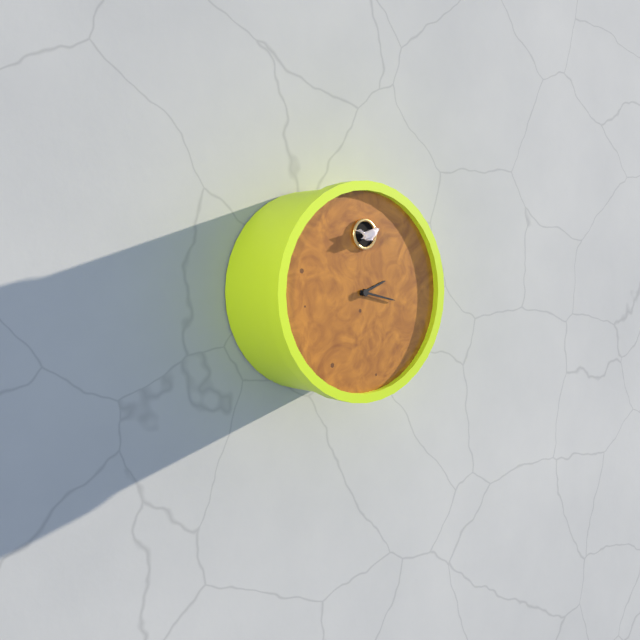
2:17
